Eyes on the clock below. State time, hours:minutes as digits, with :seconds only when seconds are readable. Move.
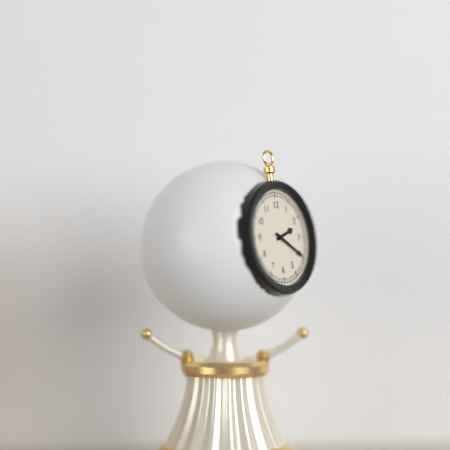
2:20
